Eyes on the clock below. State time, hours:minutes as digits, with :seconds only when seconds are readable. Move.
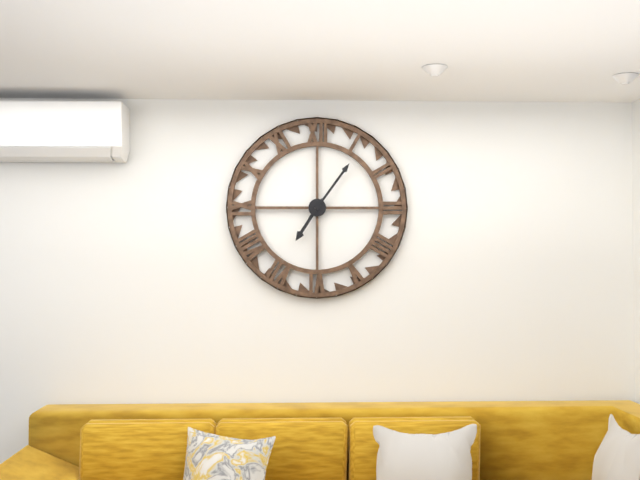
7:06
